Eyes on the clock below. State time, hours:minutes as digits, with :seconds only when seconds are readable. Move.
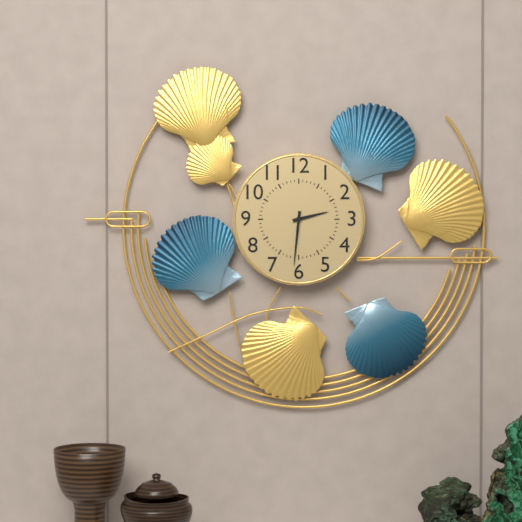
2:31
